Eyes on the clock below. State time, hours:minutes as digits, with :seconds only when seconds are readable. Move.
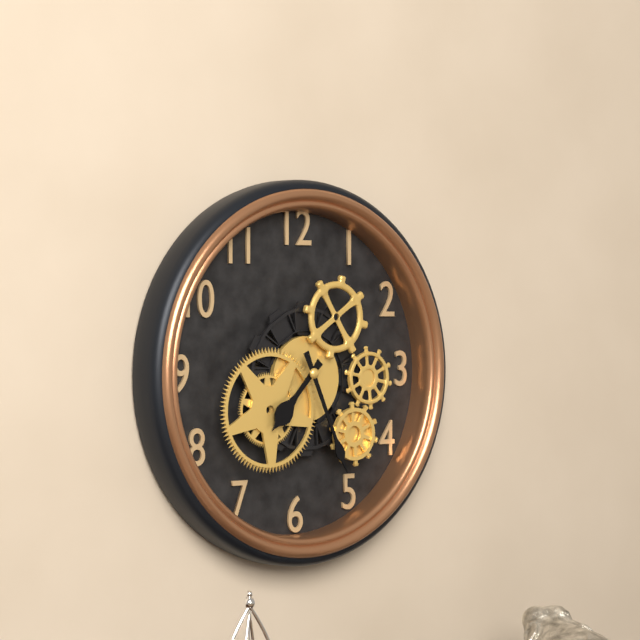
7:26
